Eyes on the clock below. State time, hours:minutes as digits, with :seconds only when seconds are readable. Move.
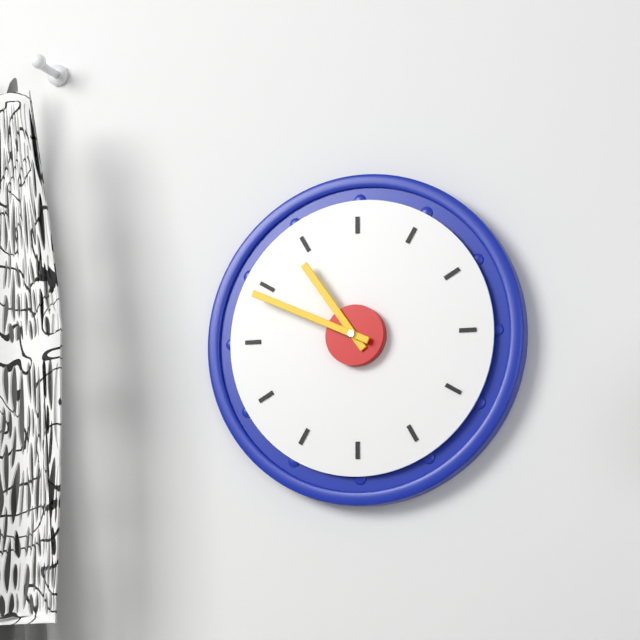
10:49
